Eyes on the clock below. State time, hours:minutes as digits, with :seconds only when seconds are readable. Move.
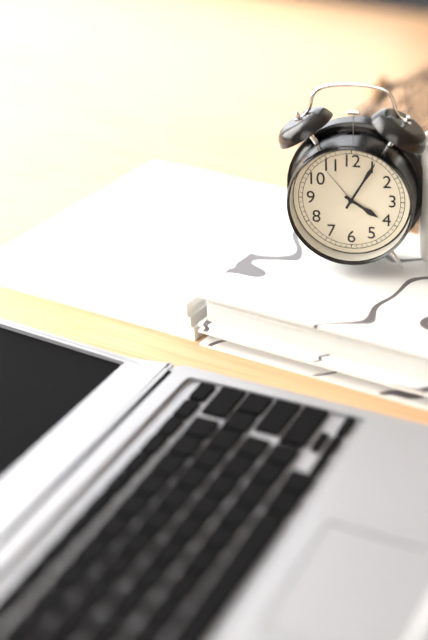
4:05
